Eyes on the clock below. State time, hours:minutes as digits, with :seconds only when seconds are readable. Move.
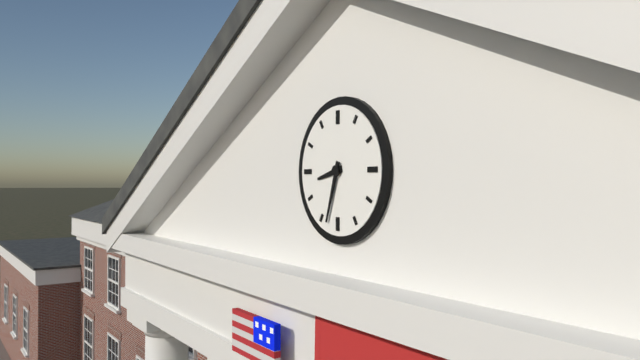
8:33
